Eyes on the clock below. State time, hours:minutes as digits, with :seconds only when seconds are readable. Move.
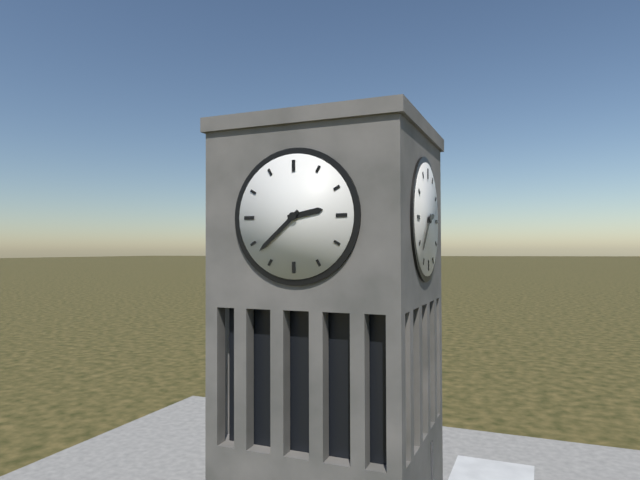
2:38
